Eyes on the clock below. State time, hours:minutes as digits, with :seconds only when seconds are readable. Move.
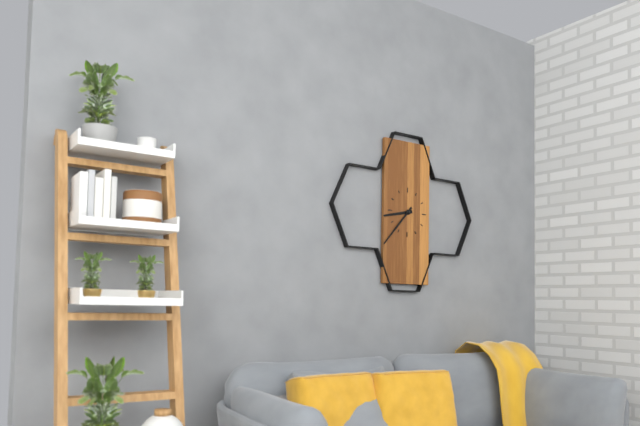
8:37
